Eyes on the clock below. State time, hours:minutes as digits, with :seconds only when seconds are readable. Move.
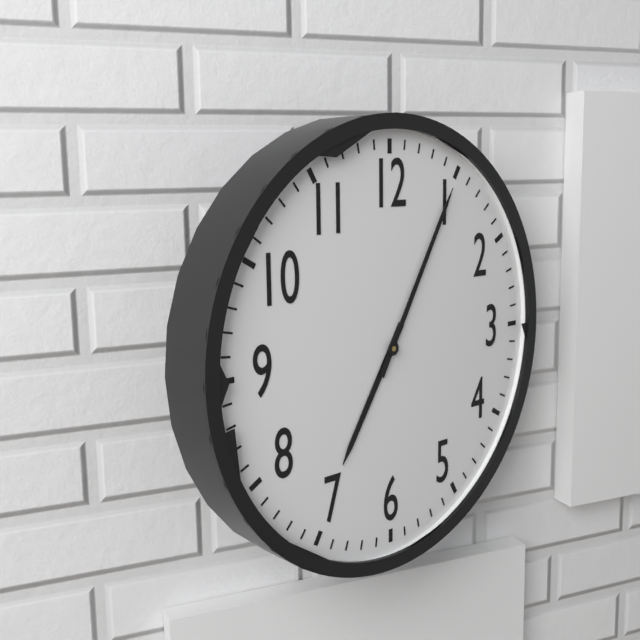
7:05
